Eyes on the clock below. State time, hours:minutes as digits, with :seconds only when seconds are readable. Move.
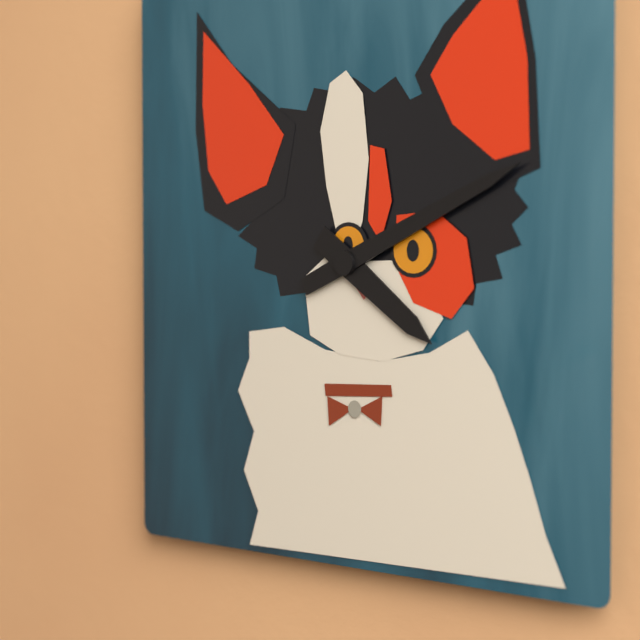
4:11
